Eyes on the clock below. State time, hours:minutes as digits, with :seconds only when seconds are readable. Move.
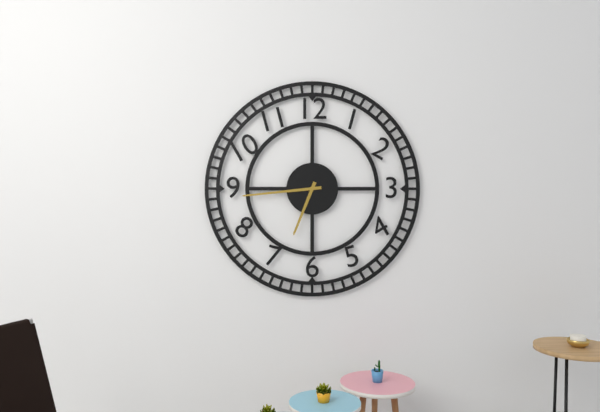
6:44
